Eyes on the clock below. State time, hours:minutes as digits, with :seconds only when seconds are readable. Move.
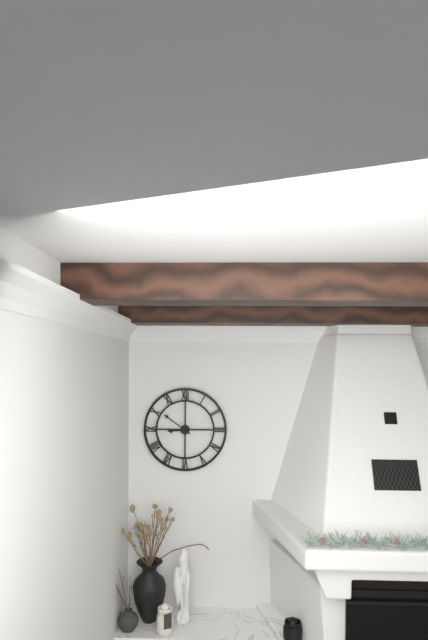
8:51
